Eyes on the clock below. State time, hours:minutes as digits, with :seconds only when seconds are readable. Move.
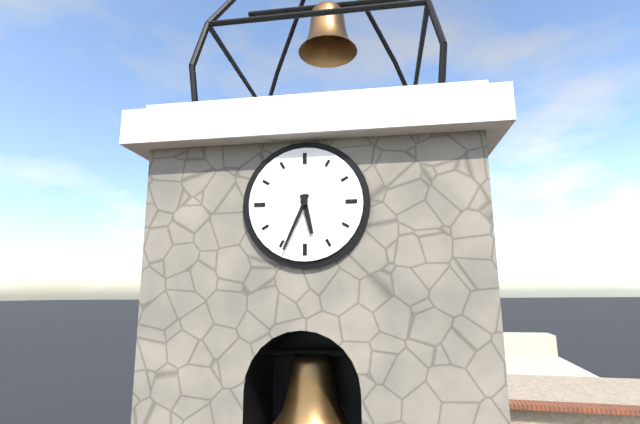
5:34
